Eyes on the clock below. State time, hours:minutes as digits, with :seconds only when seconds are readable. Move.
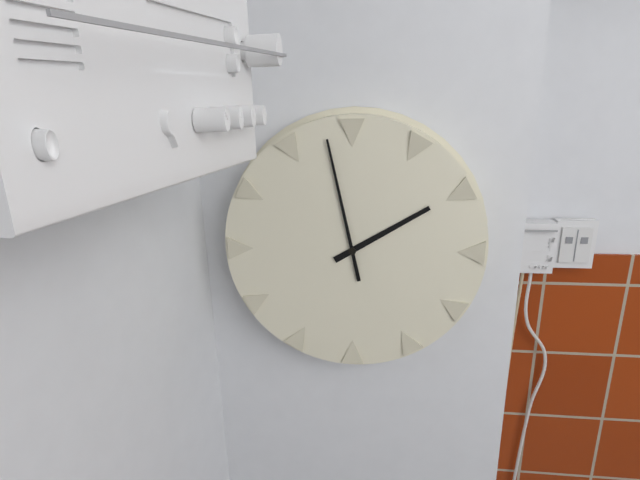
1:58
